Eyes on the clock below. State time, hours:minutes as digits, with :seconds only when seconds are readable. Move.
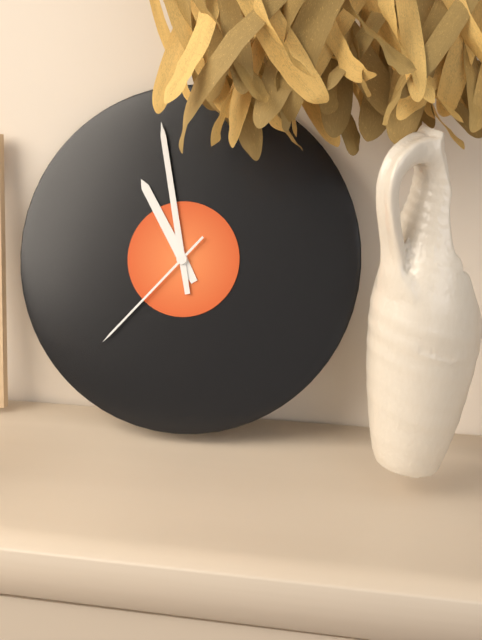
10:58:37
